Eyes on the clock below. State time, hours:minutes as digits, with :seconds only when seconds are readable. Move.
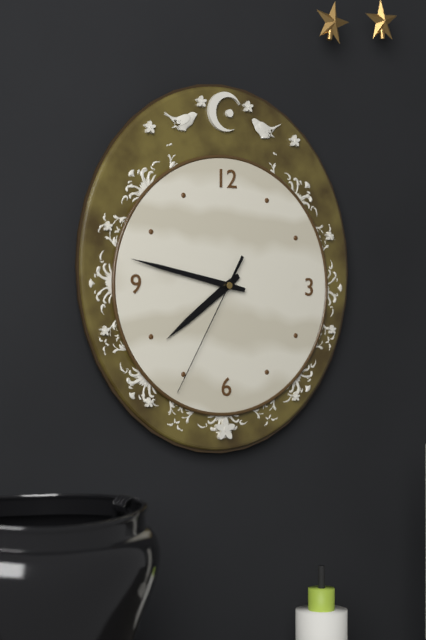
7:47:35
